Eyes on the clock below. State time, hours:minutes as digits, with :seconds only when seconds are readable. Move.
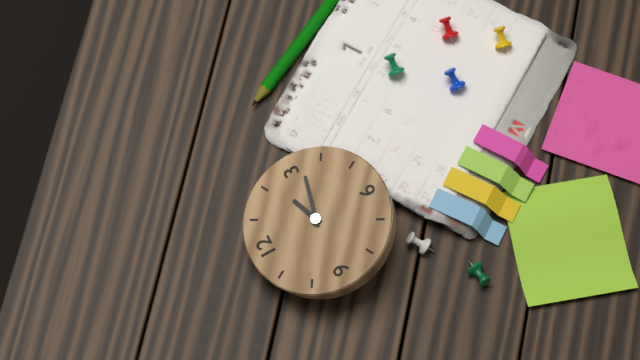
2:17
